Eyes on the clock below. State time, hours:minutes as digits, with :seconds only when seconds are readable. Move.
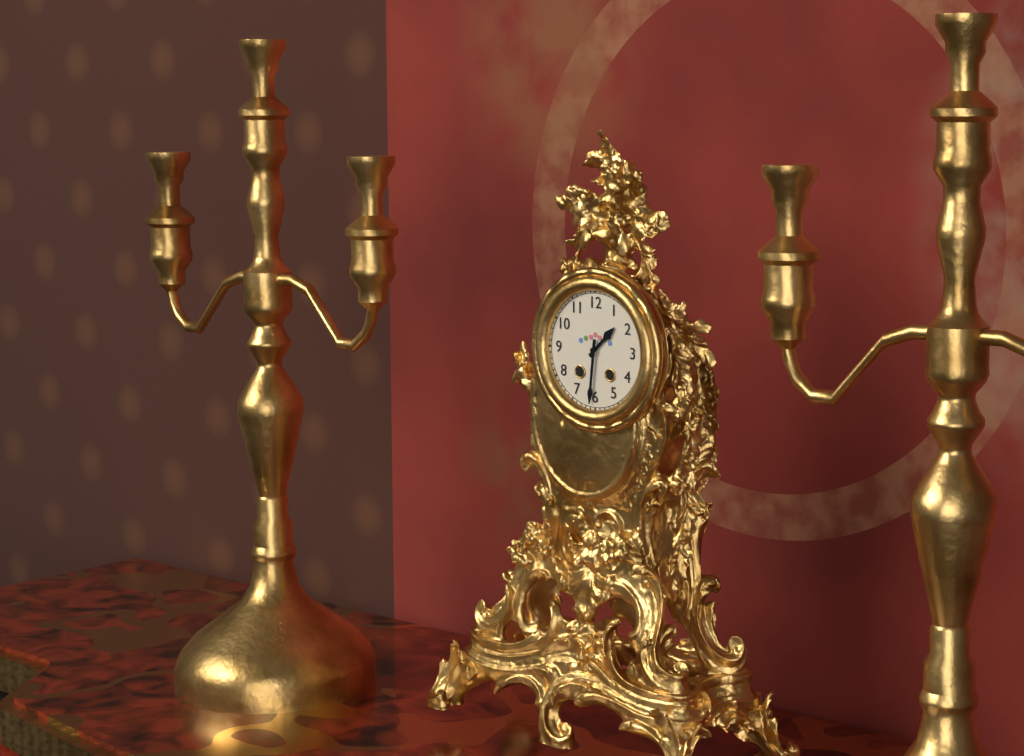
1:31
